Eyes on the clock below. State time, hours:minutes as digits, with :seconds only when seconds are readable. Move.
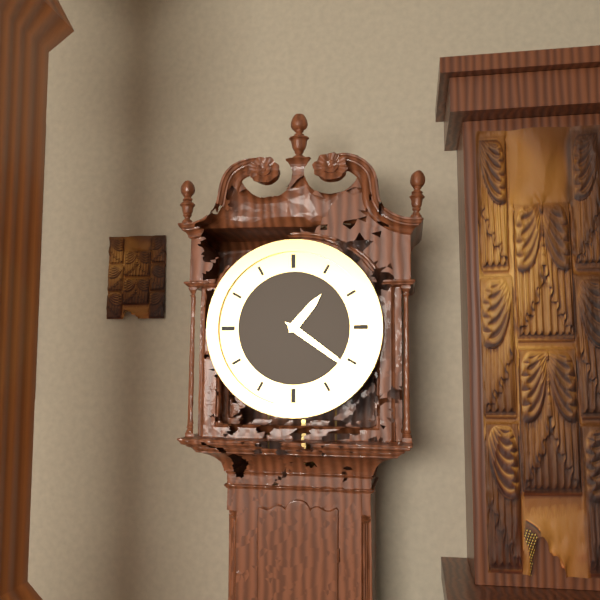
1:21
